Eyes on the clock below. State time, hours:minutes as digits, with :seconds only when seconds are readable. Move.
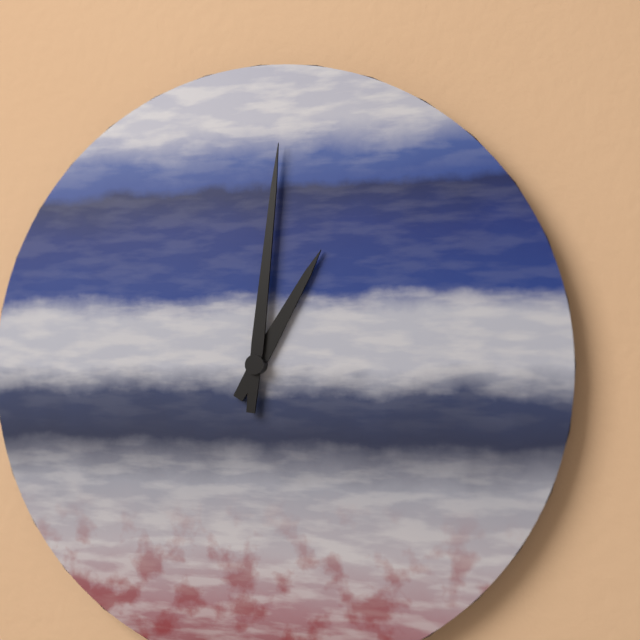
1:01
